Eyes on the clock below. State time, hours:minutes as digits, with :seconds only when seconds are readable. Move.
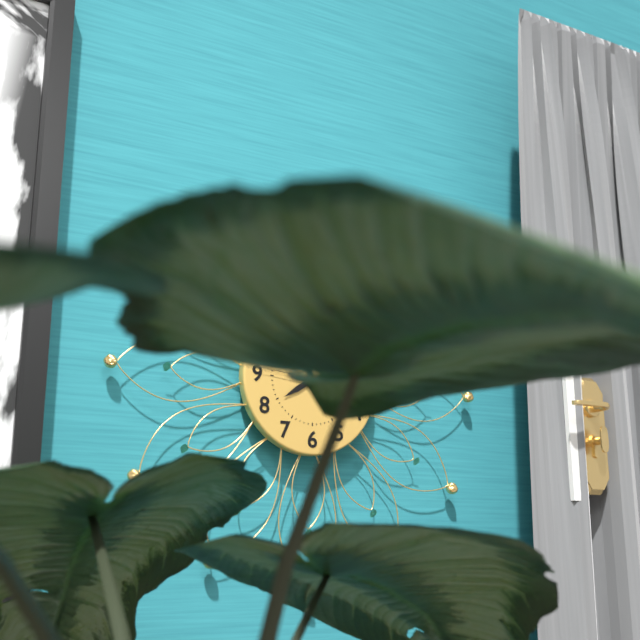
7:55:46
